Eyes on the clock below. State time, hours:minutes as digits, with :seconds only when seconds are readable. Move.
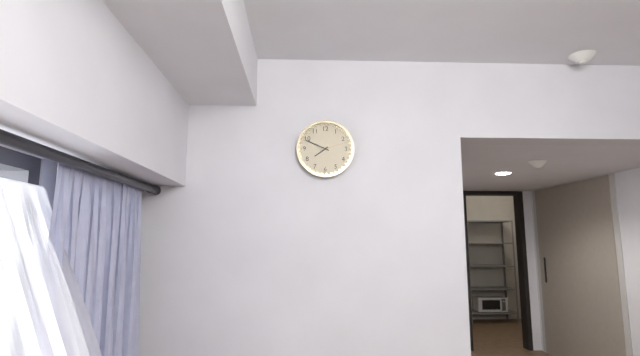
7:49
